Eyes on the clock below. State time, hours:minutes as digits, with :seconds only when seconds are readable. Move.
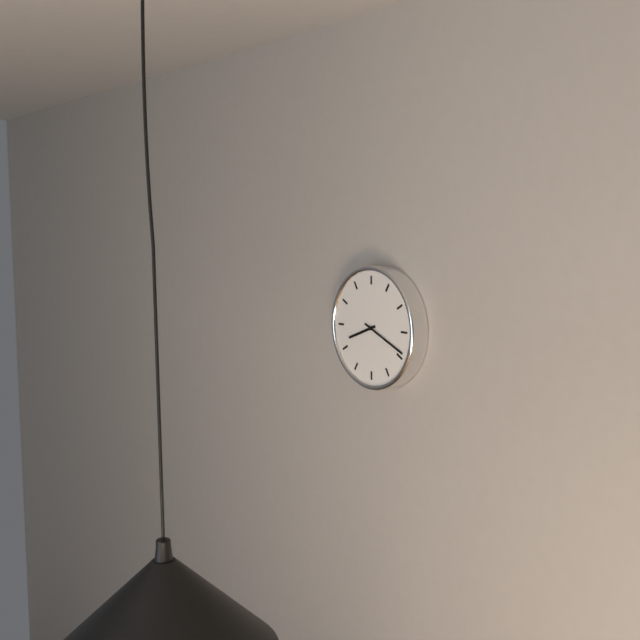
8:19
